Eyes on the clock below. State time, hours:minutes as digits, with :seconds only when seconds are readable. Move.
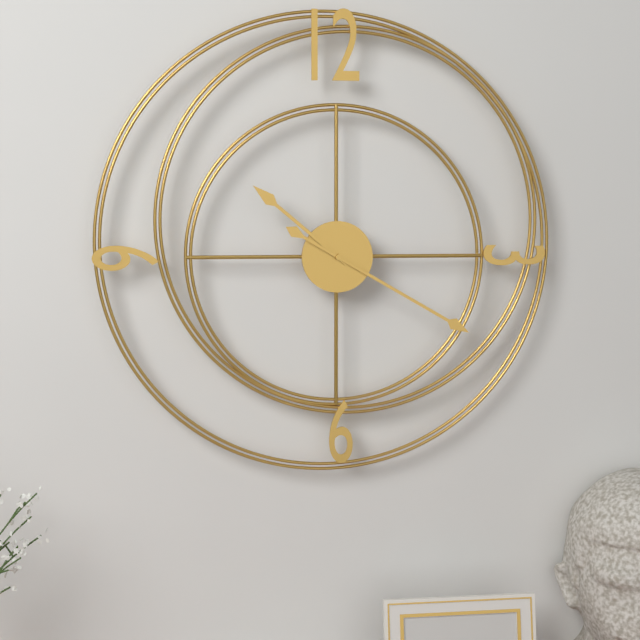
10:20
